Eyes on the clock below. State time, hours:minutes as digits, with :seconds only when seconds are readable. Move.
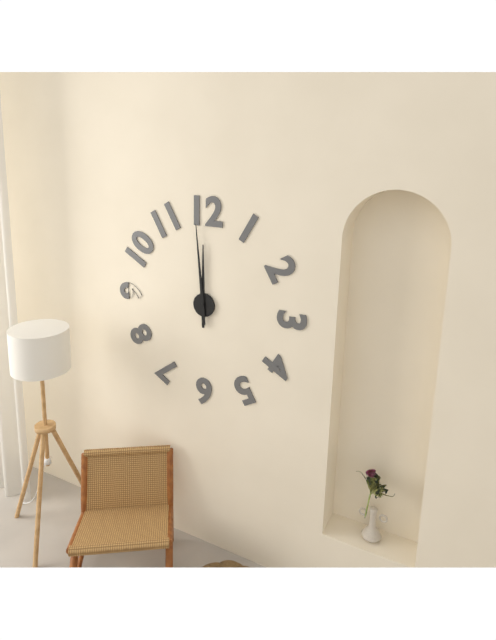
11:59
